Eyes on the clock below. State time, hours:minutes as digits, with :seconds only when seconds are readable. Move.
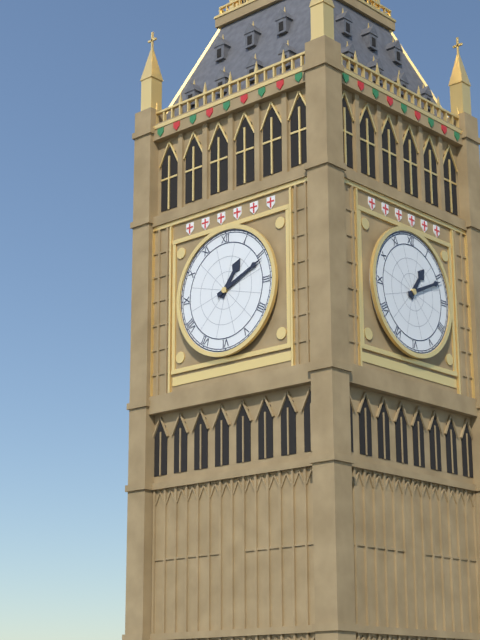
1:11
